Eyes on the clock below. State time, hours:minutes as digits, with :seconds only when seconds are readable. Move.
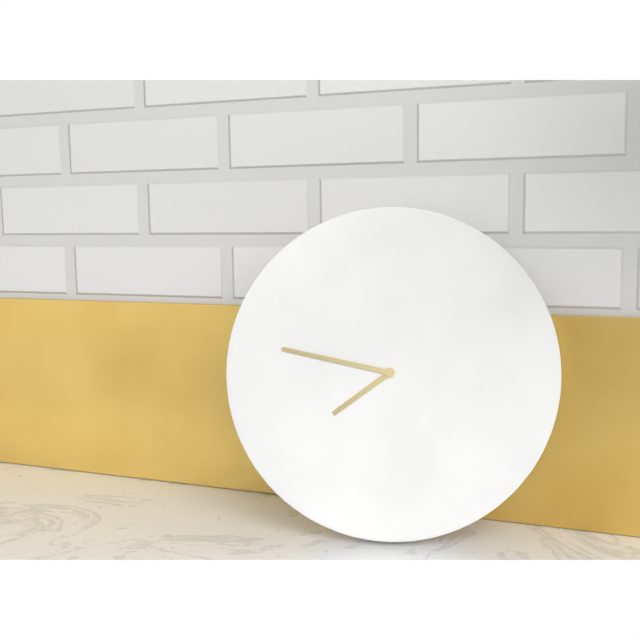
7:47
